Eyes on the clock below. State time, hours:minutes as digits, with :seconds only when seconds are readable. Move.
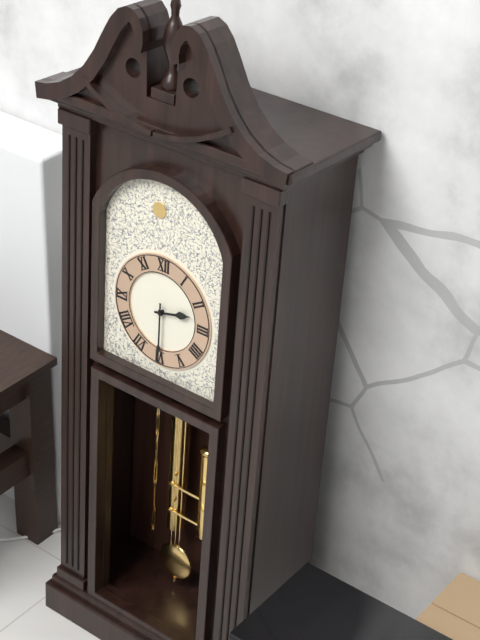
2:30
